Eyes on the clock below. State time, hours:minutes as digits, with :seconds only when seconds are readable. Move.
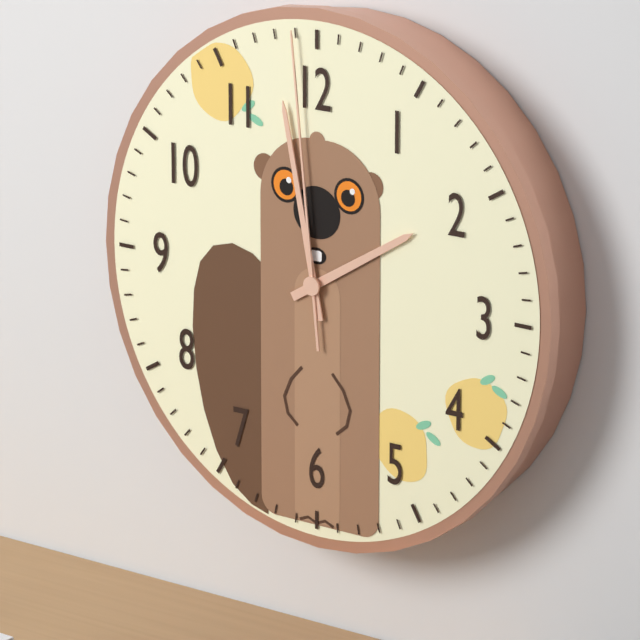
1:58:59
